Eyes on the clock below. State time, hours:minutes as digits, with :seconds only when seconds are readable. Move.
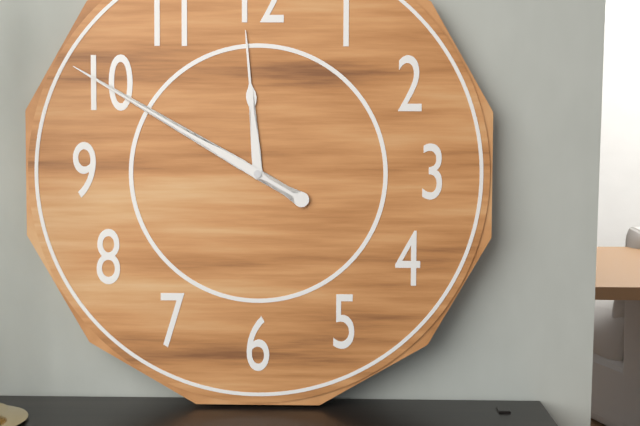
11:50
